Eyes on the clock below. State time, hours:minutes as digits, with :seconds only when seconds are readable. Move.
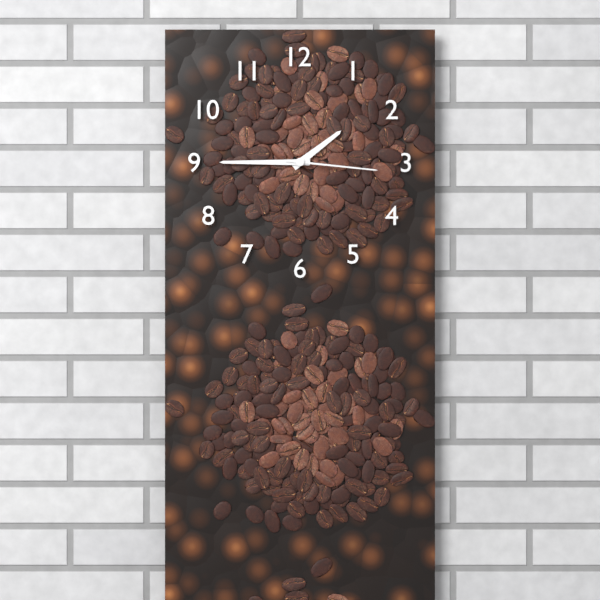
1:45:16
